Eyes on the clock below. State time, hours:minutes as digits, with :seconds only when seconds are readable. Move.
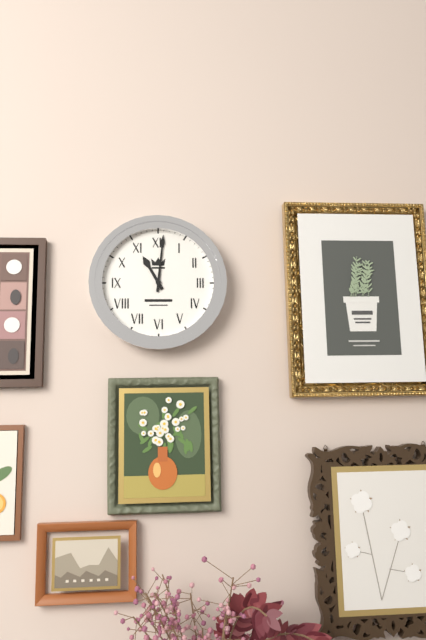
11:01
